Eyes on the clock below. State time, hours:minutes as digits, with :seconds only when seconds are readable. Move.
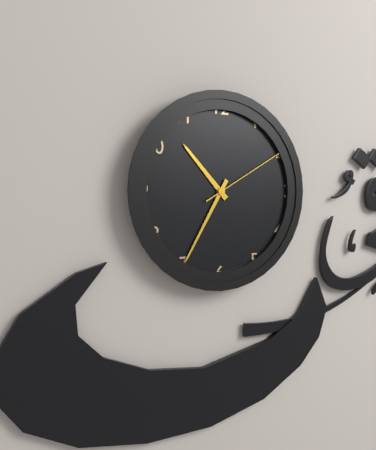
10:35:10
